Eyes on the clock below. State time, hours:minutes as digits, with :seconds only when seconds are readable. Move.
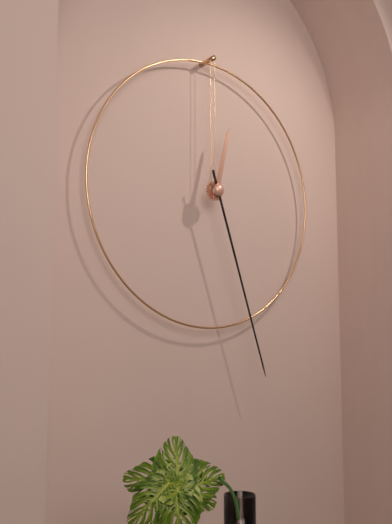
12:27
